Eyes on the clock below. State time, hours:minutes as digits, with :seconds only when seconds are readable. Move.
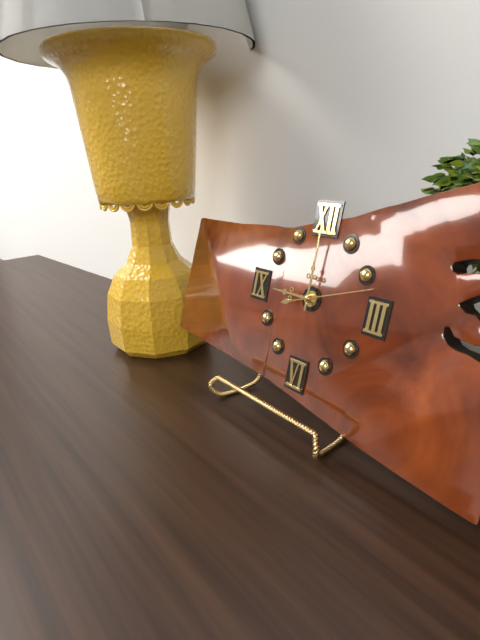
9:00:12
